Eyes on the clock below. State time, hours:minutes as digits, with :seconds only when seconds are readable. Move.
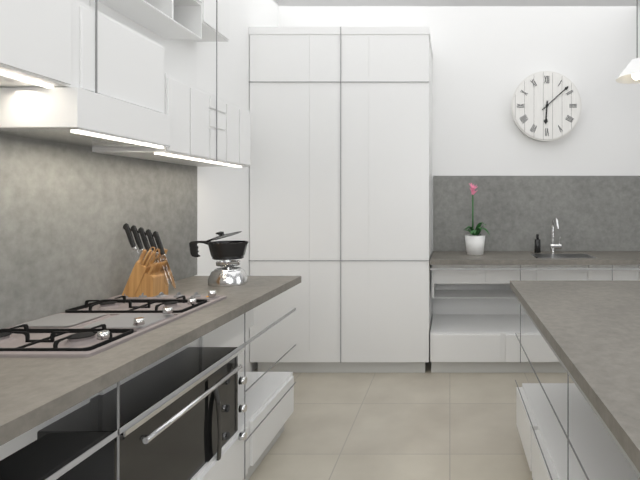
6:08
